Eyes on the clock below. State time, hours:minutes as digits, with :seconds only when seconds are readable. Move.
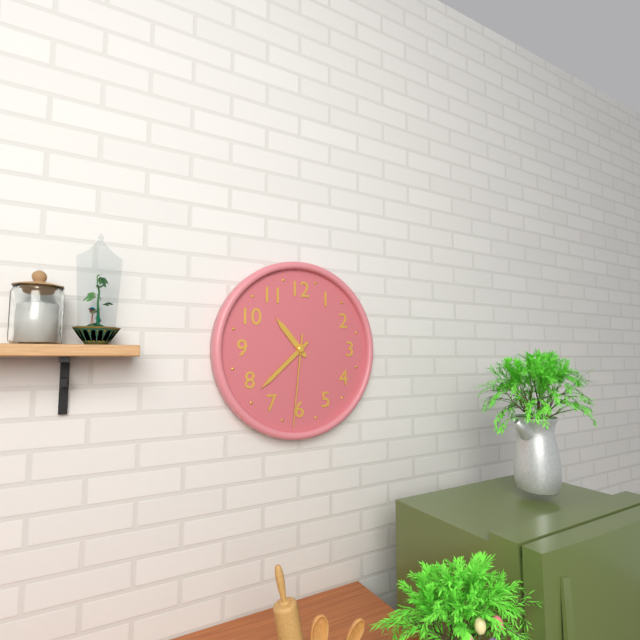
10:38:31
